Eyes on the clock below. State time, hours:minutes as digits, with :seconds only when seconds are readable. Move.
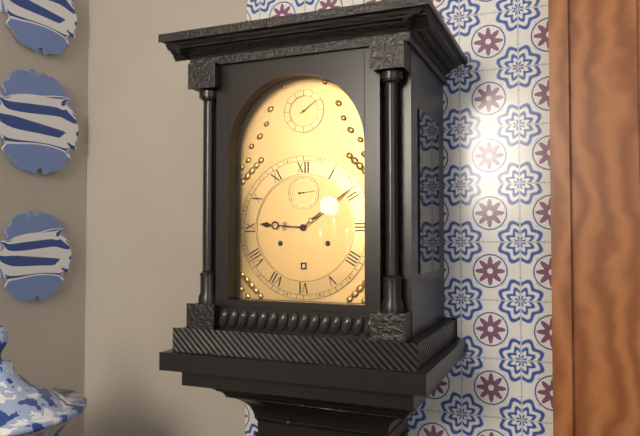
9:09
